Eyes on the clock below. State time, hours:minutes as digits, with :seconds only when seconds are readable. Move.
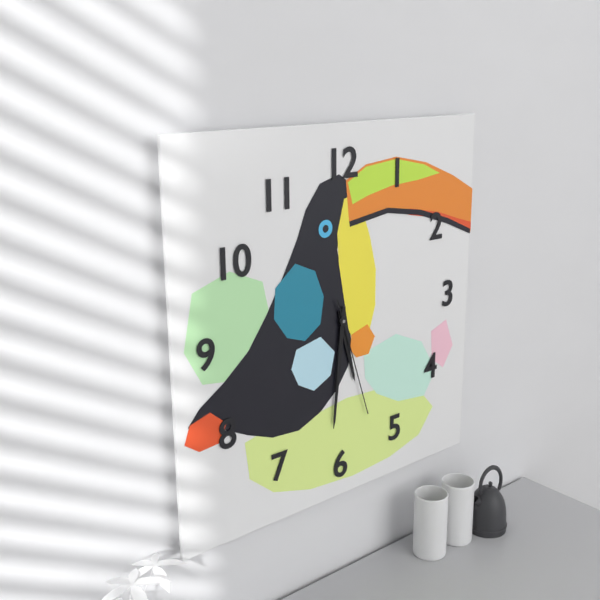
5:31:27
